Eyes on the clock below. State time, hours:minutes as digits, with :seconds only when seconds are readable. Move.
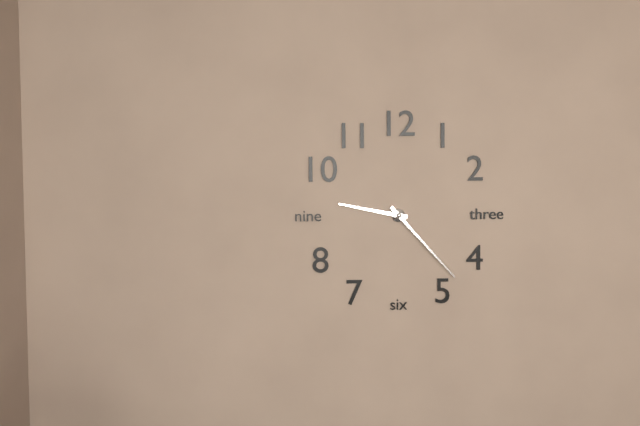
9:23
